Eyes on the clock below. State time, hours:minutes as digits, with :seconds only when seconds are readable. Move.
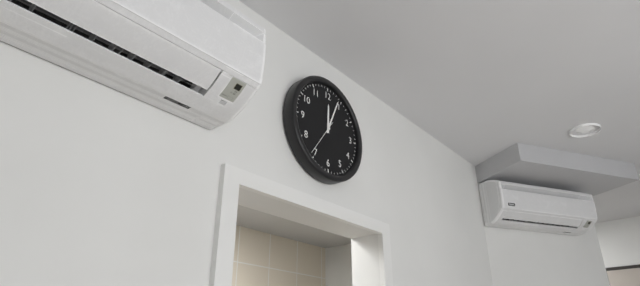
12:04
